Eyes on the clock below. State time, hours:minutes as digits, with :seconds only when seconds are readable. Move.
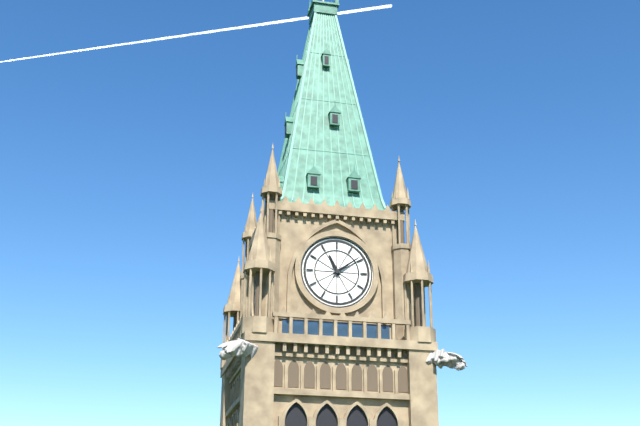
11:09
